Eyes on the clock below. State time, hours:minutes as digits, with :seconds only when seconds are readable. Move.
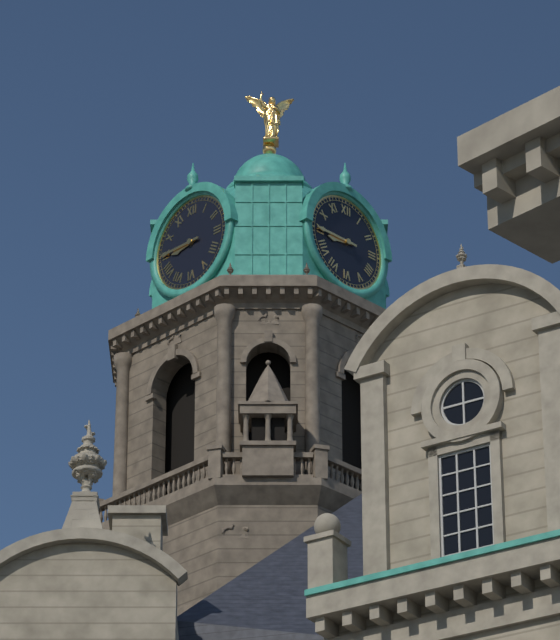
8:45
